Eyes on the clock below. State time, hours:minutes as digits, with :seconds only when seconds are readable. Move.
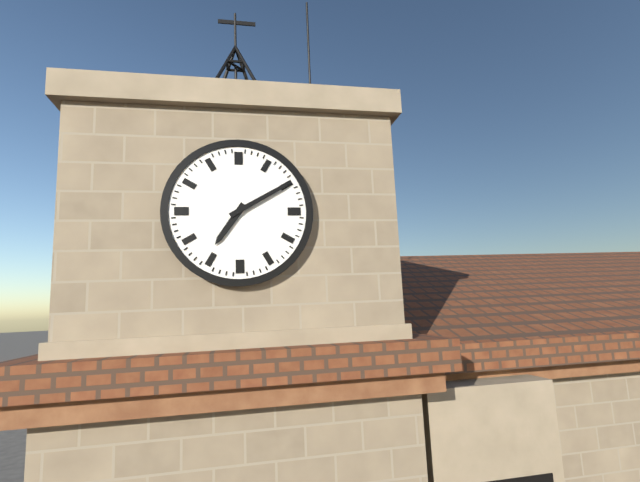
7:10
